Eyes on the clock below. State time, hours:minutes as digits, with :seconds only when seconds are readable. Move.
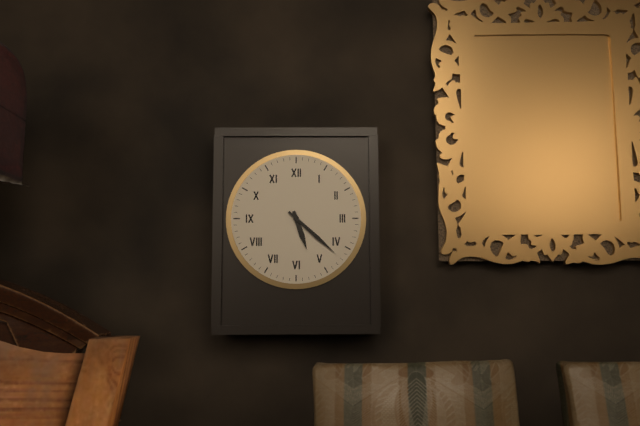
5:22
